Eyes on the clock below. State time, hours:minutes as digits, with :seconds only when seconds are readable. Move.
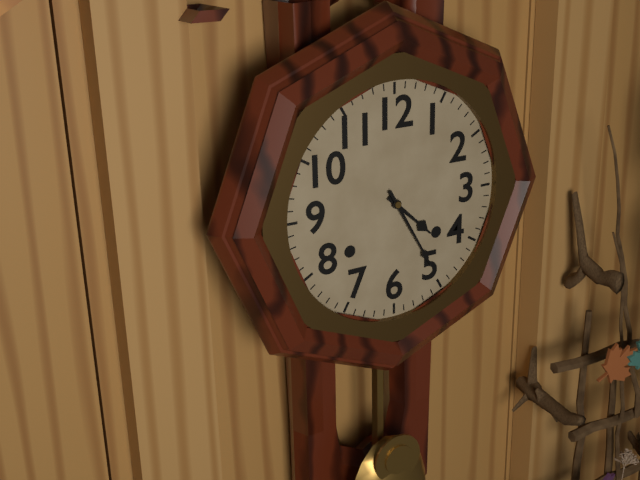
4:25
